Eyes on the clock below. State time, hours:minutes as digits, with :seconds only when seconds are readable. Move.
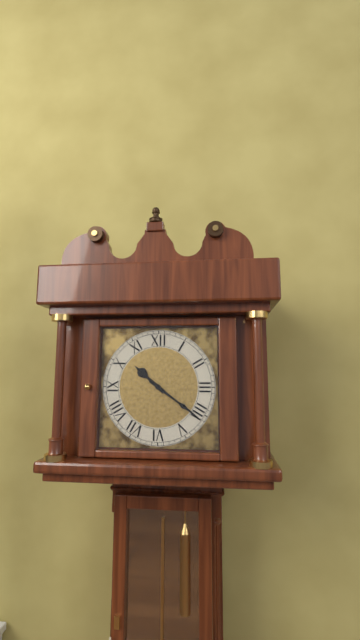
10:21
